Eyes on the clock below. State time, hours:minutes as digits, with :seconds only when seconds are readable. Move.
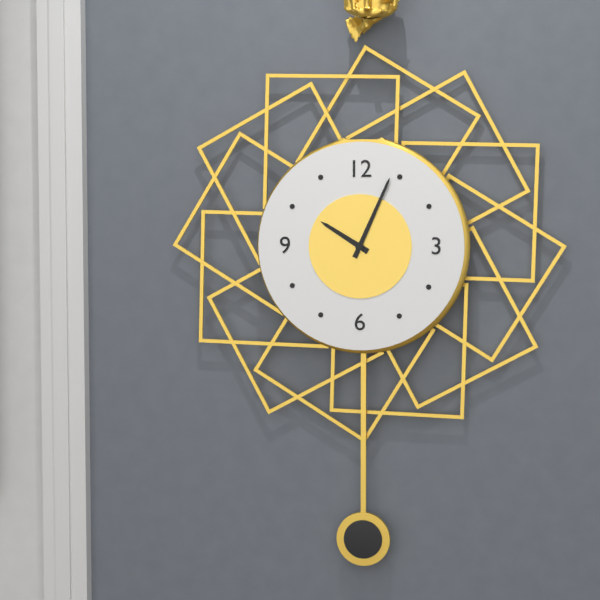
10:04
